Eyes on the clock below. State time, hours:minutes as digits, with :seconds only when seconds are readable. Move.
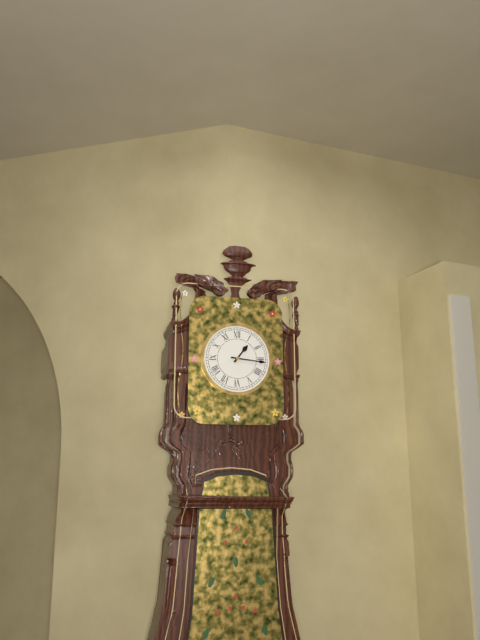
1:16
